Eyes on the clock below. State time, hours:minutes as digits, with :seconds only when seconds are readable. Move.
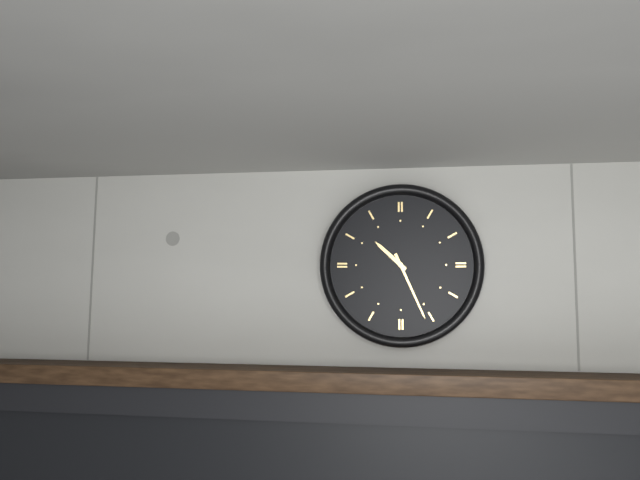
10:26
